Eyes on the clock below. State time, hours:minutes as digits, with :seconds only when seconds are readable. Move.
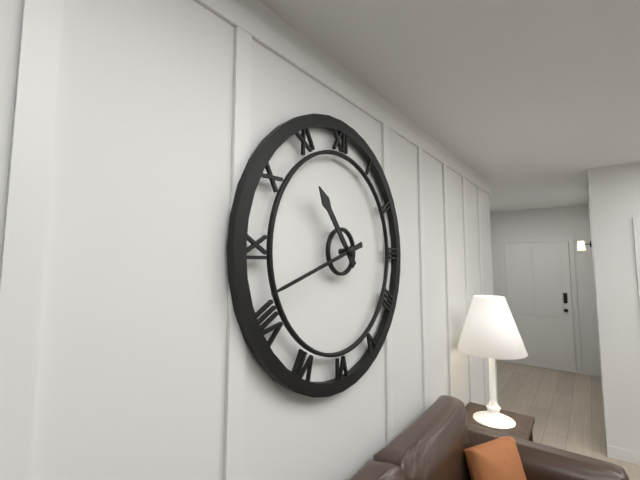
10:42
